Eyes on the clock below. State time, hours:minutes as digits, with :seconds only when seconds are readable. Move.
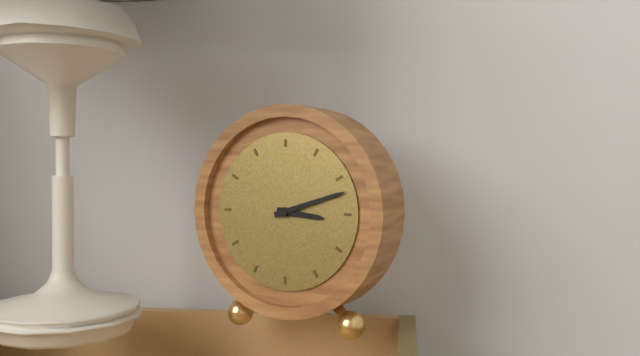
3:12
